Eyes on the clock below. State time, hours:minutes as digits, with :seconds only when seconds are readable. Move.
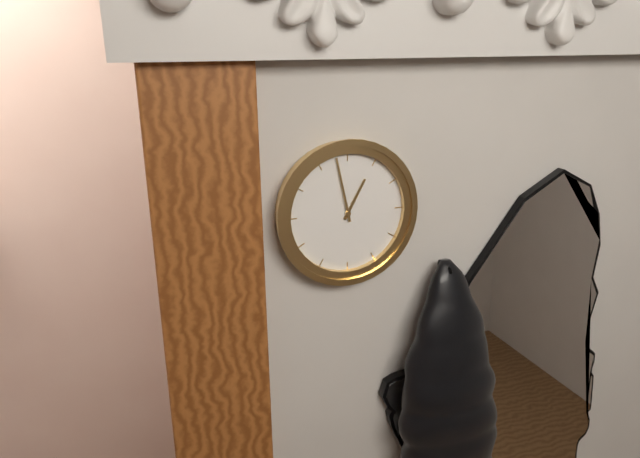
12:58
